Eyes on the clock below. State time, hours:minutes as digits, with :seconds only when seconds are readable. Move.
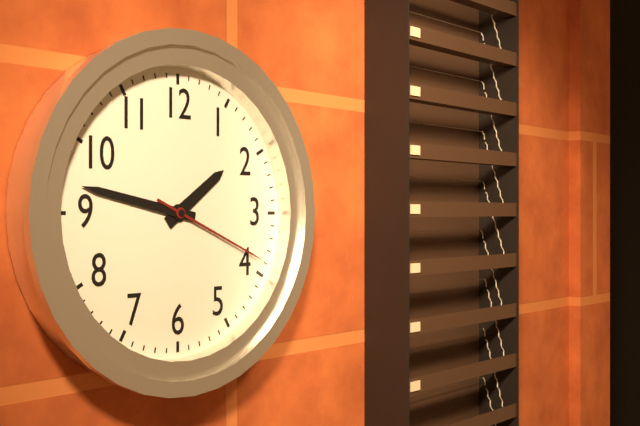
1:47:19
